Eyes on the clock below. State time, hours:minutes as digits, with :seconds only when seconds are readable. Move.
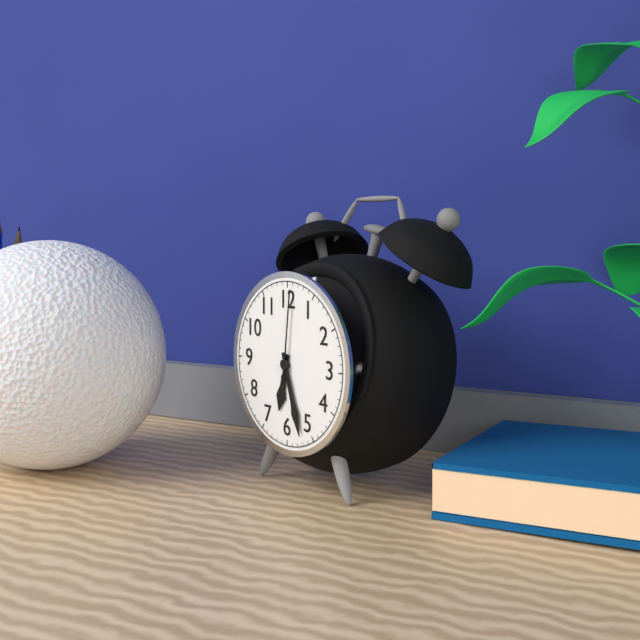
6:27:01
